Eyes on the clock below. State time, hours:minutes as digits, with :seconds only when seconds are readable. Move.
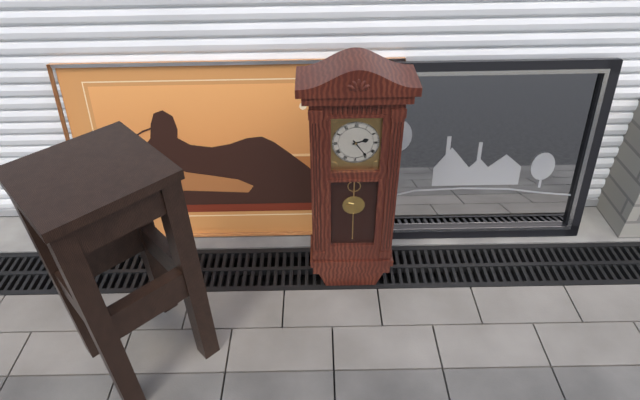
2:24
